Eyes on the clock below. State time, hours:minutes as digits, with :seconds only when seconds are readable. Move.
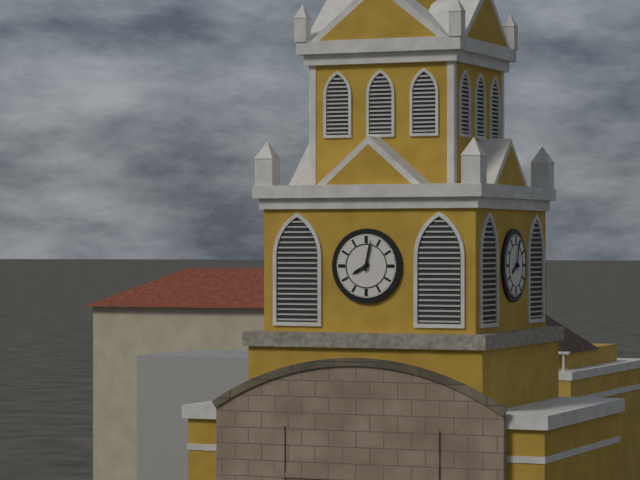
8:02
